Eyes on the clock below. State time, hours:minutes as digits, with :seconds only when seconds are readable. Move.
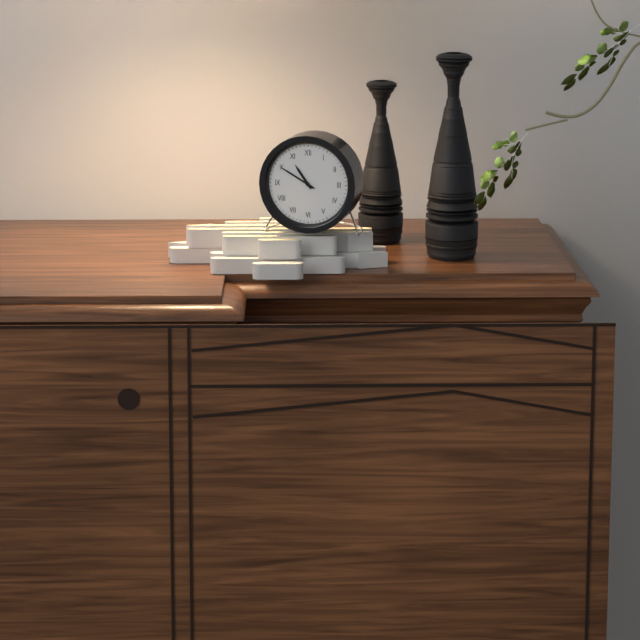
10:50
